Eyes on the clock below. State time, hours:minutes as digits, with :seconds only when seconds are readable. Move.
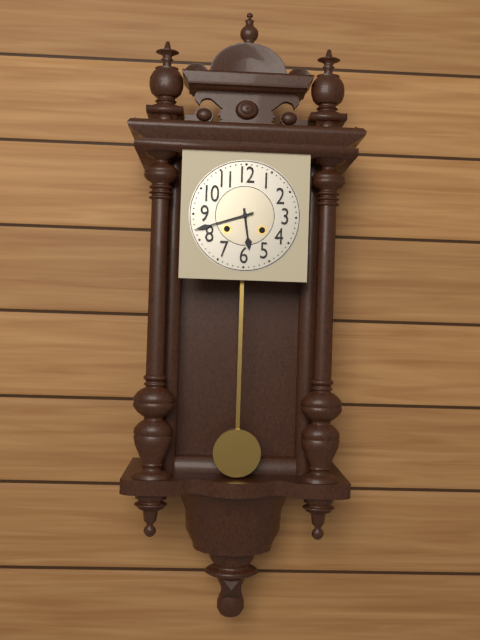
5:42
